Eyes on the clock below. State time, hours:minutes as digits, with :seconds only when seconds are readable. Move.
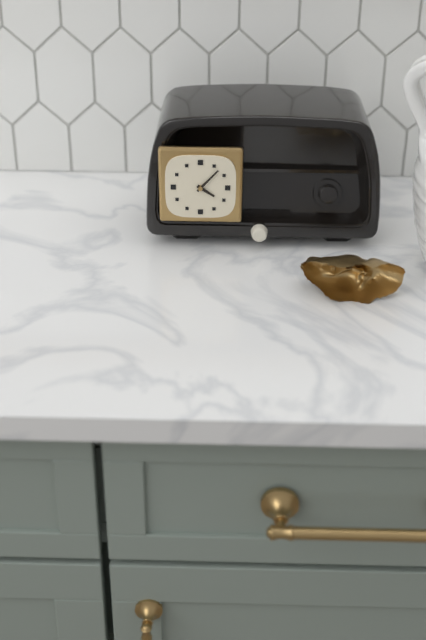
4:07
